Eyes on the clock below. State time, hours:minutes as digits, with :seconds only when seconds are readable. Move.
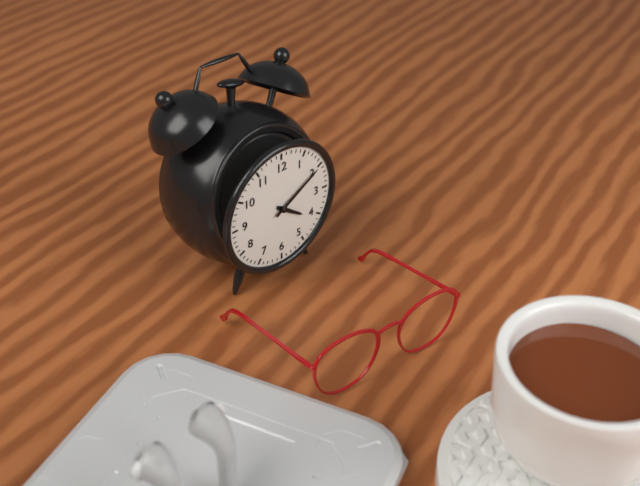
4:10
